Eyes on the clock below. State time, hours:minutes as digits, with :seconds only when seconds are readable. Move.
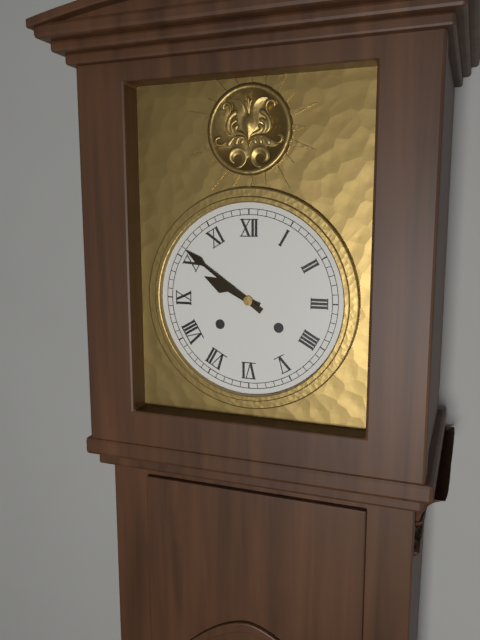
9:51
